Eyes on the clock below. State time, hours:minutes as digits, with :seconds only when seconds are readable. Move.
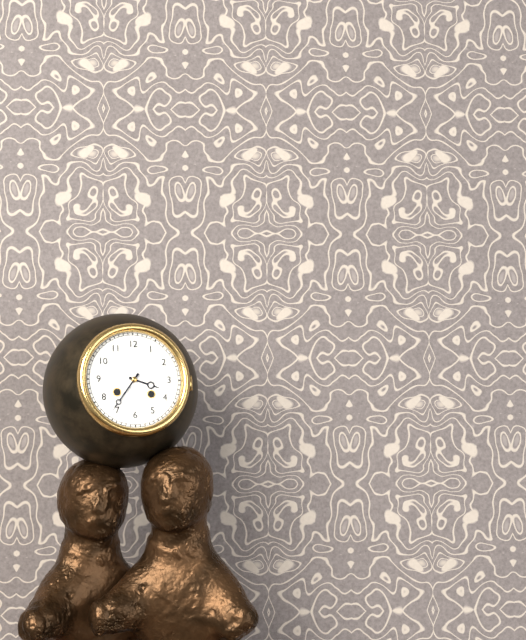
3:36
